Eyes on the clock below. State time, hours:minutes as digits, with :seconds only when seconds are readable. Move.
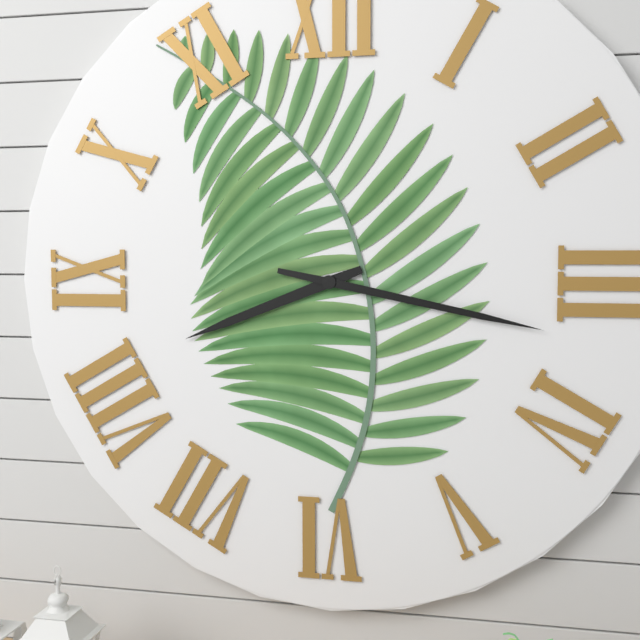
8:17
